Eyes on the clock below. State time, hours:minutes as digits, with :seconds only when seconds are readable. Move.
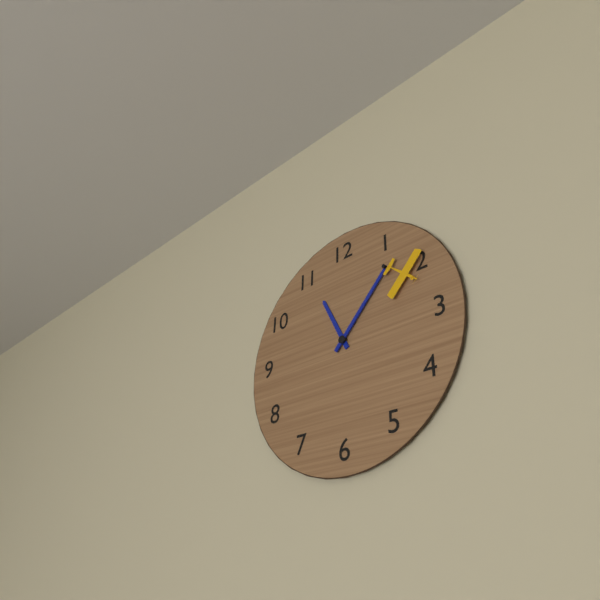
11:07
